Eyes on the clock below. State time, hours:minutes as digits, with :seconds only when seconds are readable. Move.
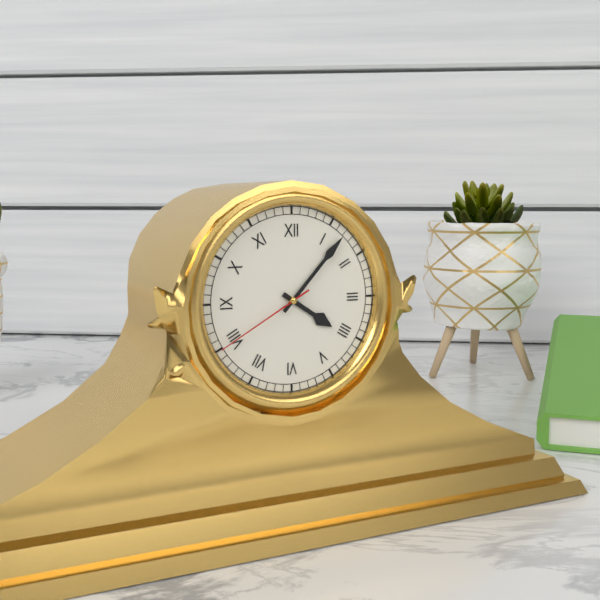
4:07:40
